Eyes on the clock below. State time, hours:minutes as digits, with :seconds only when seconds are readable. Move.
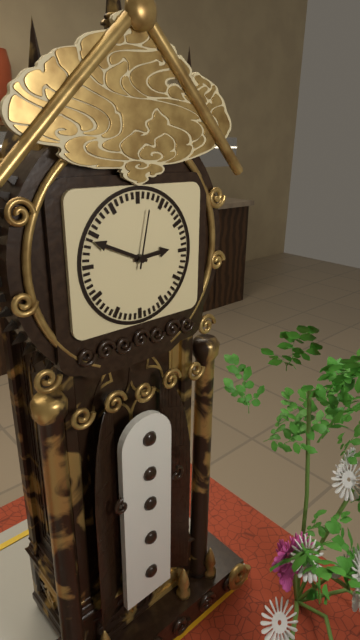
2:49:02
